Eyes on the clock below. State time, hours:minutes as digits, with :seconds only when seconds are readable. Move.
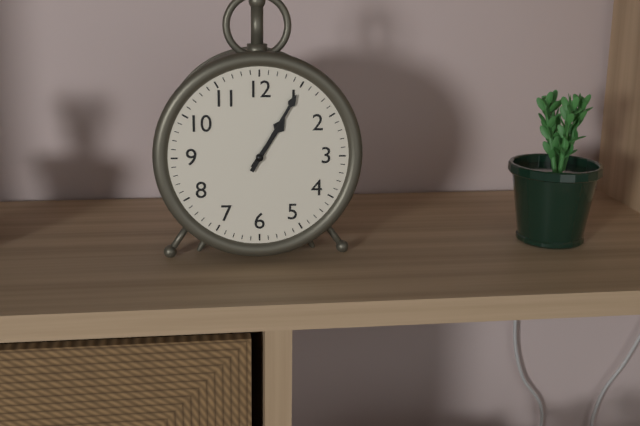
1:05
